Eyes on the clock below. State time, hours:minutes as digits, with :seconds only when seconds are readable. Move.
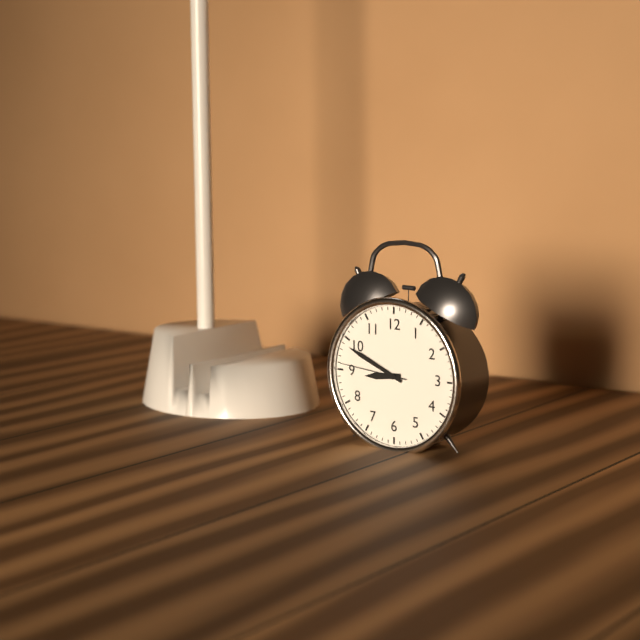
8:49:46
